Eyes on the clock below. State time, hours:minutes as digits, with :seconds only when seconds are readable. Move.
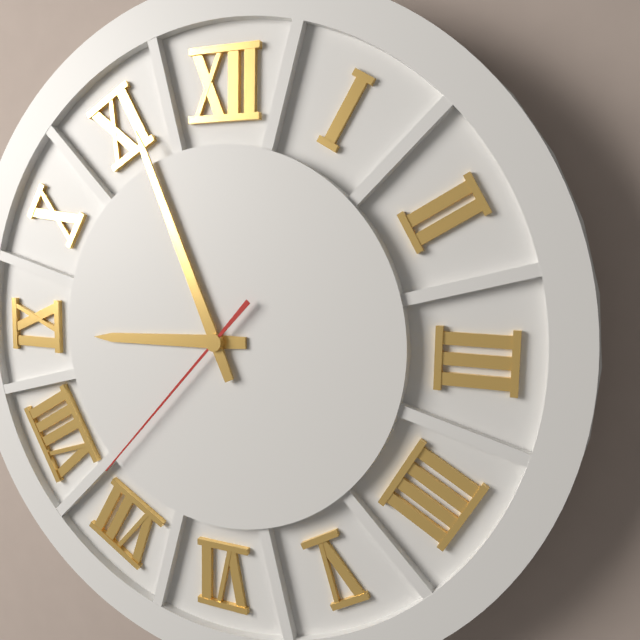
8:56:37
